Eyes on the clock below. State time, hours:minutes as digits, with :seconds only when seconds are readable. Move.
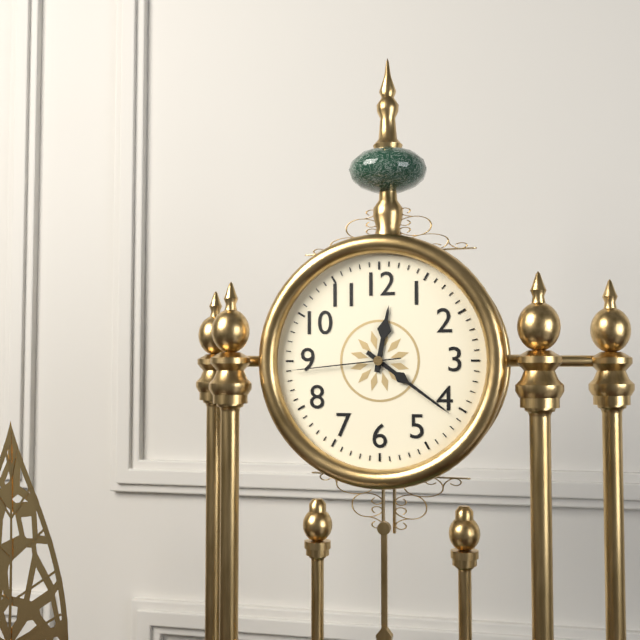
12:21:44
